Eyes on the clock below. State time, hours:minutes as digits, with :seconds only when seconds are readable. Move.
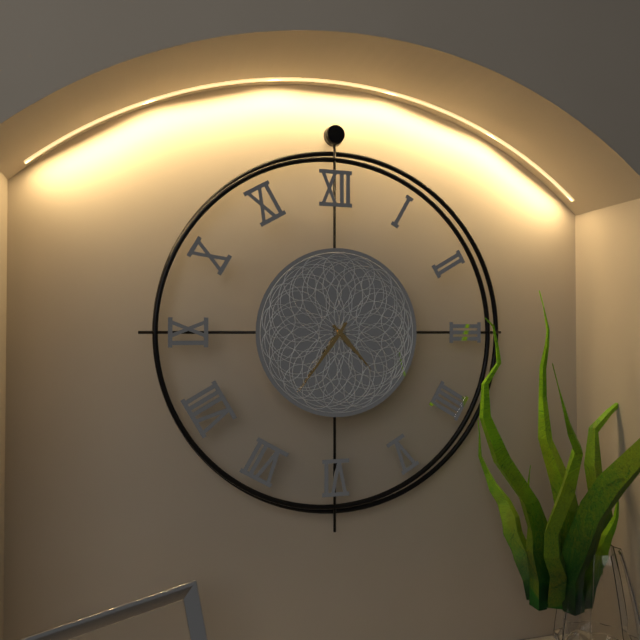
4:36
